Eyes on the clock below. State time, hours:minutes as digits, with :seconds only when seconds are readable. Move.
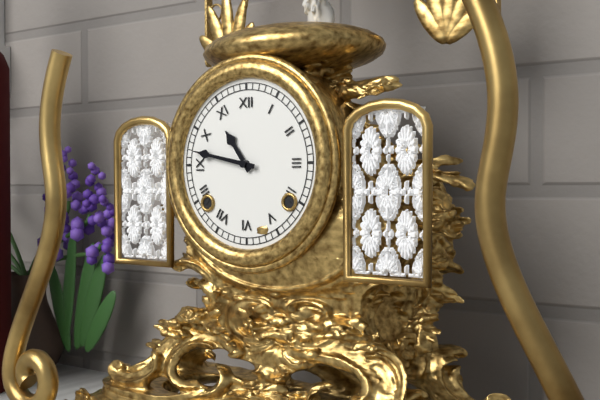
10:47
